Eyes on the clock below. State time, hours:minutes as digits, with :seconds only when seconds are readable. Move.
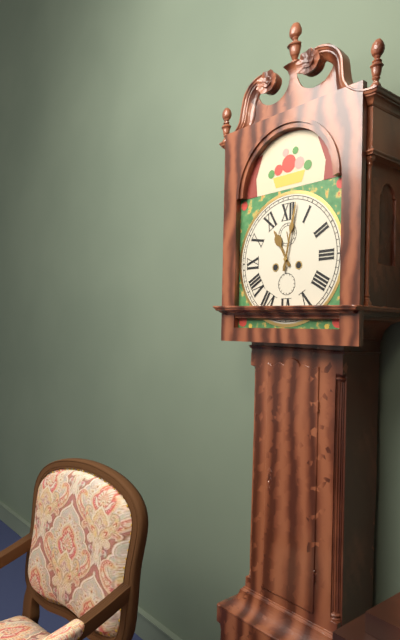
11:02
